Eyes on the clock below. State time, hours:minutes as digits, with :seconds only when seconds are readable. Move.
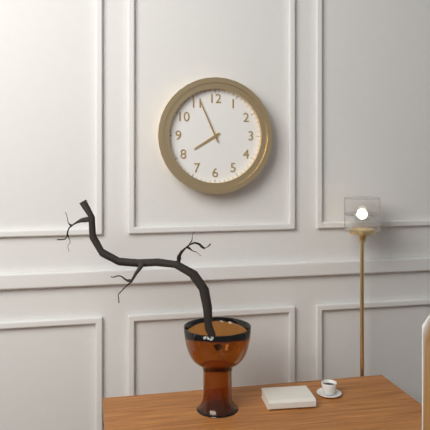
7:56
